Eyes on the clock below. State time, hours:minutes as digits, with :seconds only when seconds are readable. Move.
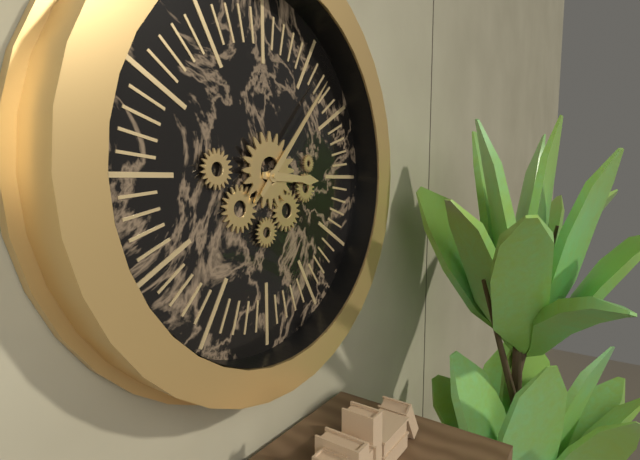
3:07
